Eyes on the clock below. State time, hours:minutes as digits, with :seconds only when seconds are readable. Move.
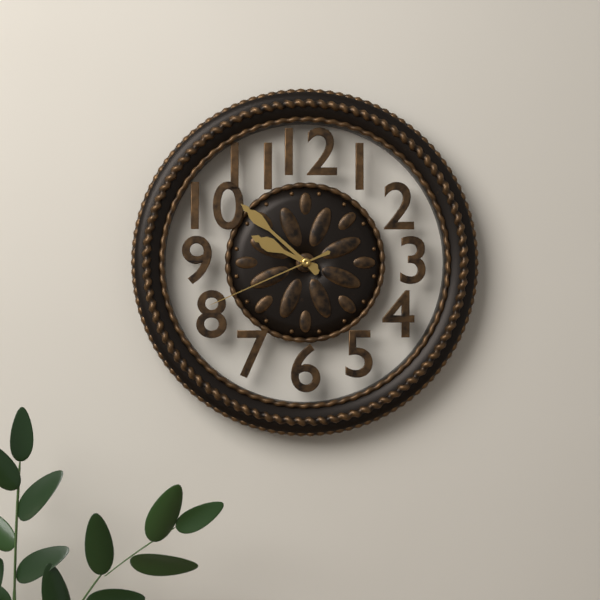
9:52:41
